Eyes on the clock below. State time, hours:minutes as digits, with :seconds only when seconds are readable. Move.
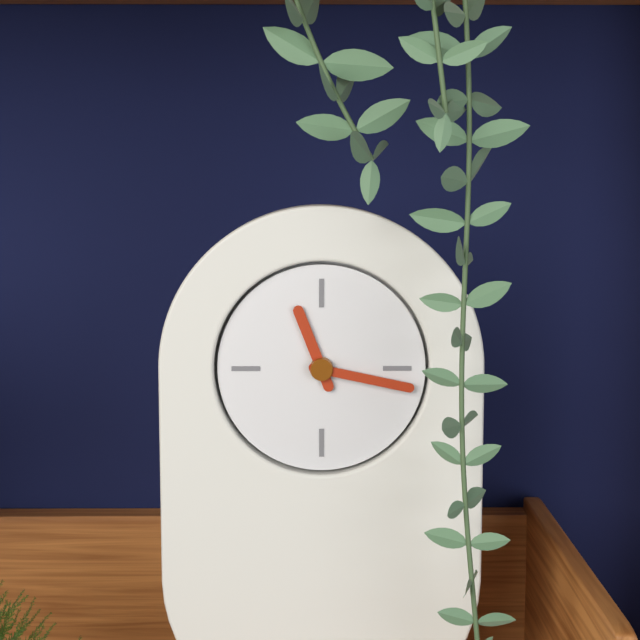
11:17
